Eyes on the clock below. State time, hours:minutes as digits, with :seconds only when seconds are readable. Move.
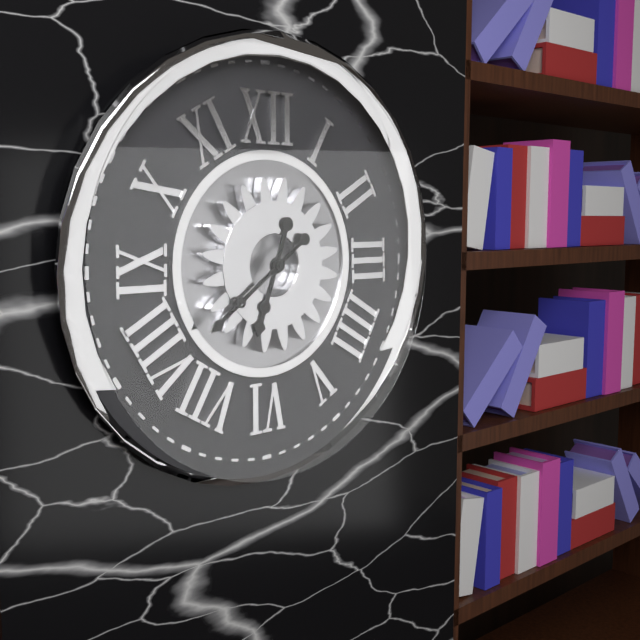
6:39
